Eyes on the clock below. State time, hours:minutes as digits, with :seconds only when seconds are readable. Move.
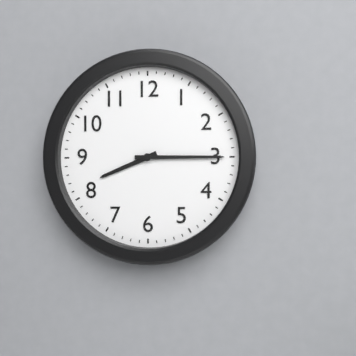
8:15
